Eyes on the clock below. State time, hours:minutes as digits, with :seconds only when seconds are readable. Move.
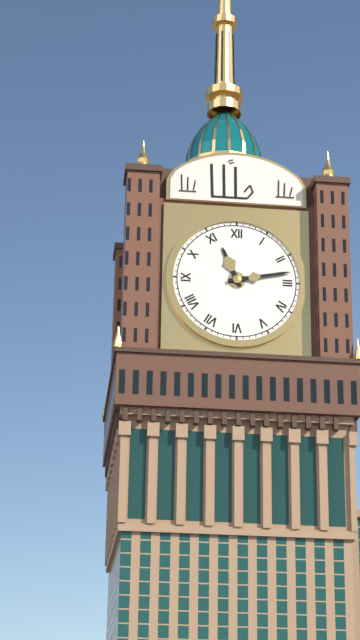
11:13
